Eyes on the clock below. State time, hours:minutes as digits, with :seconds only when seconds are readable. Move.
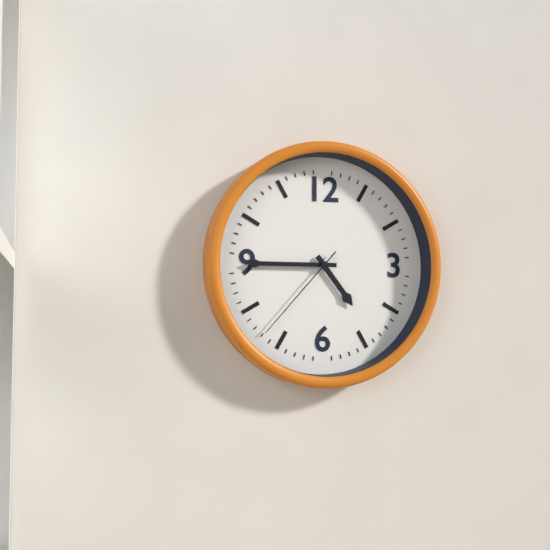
4:45:37
